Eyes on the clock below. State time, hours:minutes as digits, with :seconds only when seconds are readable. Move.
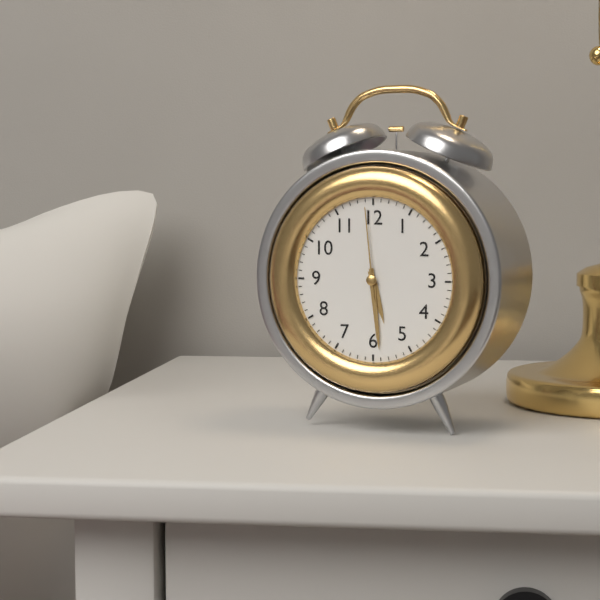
5:29:59
